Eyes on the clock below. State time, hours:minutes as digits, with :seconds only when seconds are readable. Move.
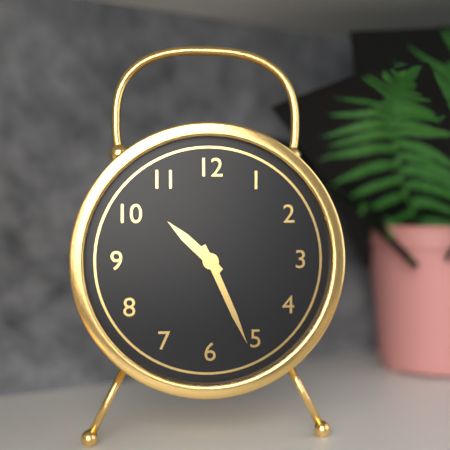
10:26
